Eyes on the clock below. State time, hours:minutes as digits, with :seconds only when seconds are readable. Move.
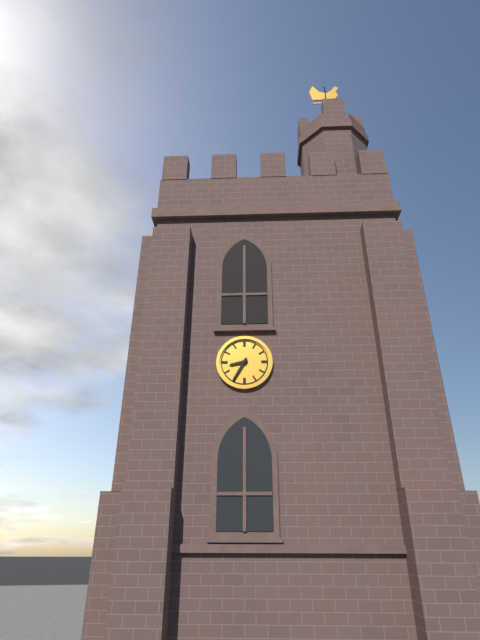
8:35
